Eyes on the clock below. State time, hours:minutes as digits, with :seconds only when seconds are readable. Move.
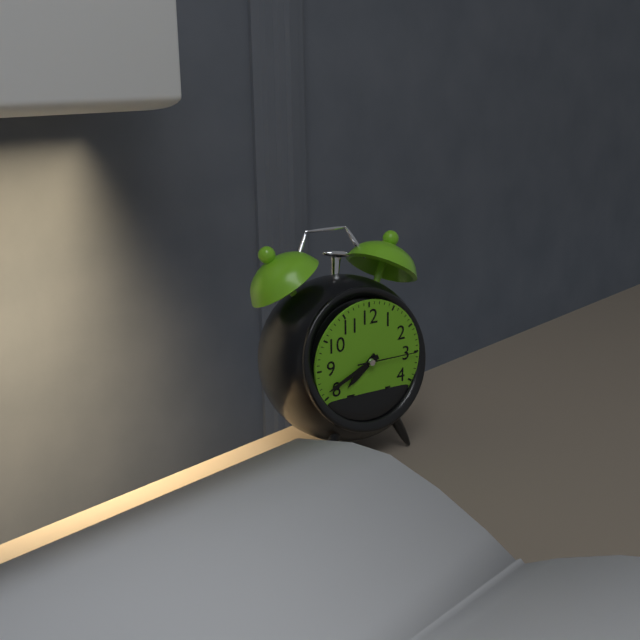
7:41:15
